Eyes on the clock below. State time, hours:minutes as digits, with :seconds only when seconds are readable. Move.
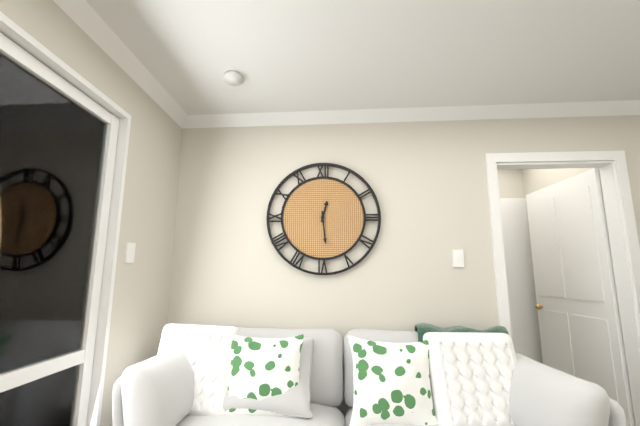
12:29
